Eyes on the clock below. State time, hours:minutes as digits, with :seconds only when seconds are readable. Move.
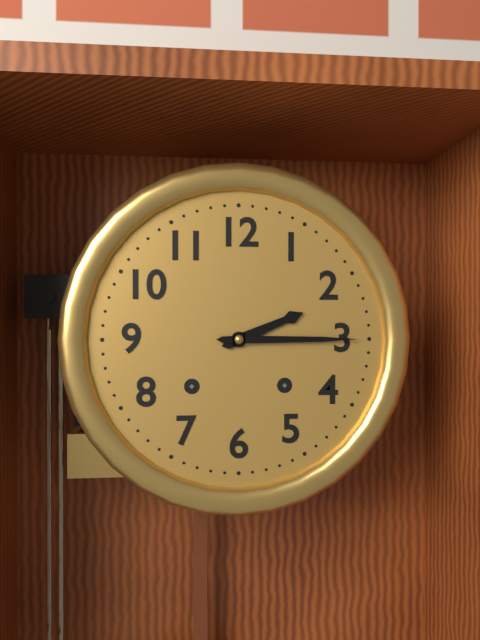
2:15
